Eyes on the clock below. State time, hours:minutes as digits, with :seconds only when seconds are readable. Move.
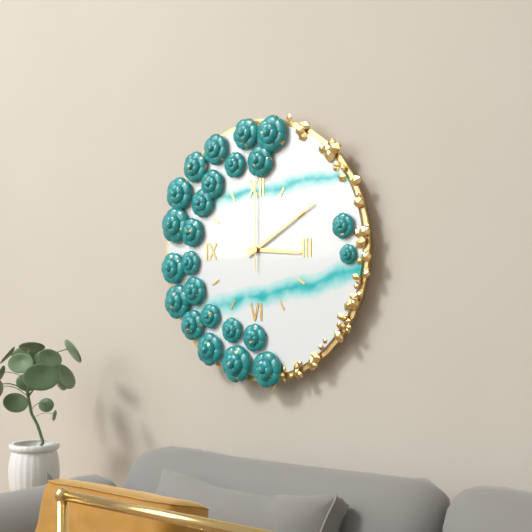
3:10:00
